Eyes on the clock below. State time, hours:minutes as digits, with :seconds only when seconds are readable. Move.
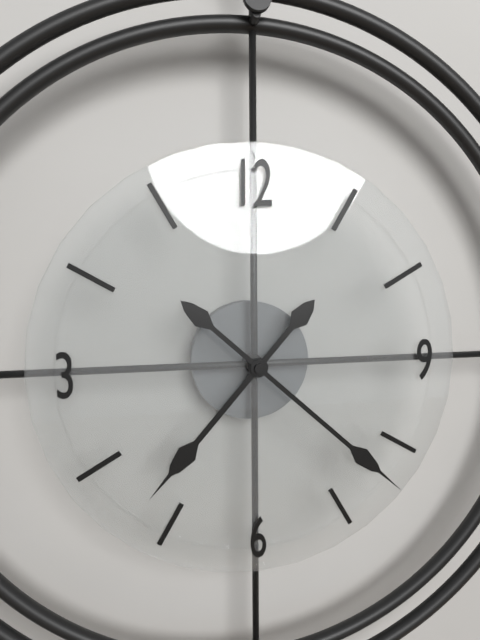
7:22
